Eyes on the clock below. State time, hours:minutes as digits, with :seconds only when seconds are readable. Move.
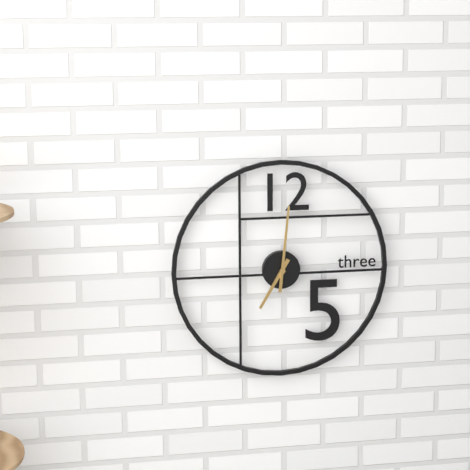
7:01
